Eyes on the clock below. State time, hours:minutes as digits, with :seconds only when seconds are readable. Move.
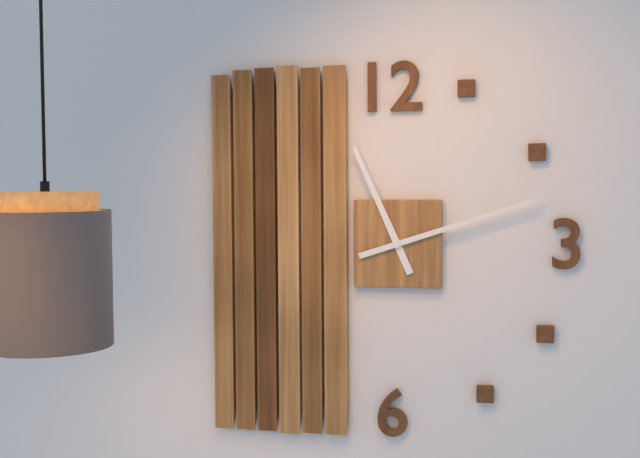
11:12
